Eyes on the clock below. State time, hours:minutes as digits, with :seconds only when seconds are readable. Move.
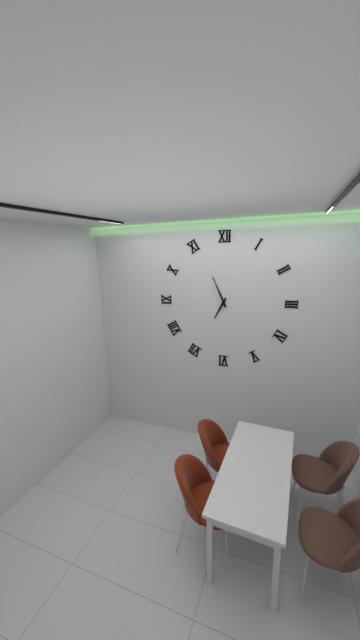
6:56
